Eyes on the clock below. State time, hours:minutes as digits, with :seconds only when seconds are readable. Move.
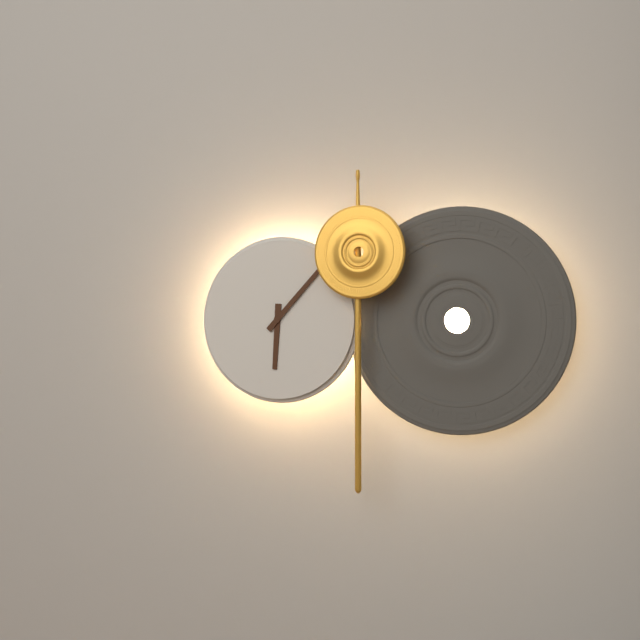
6:07
